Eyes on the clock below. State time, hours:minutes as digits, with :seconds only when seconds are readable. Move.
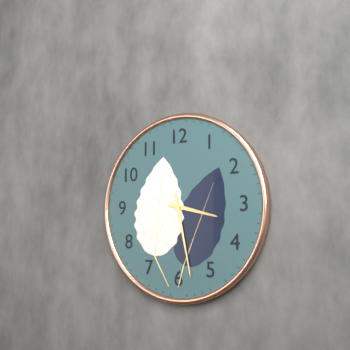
3:28
